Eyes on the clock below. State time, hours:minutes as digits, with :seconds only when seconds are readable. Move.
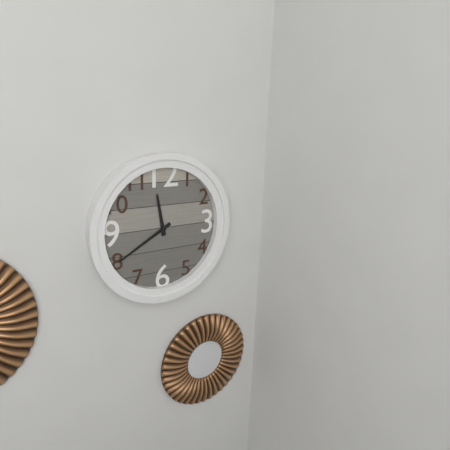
11:40
